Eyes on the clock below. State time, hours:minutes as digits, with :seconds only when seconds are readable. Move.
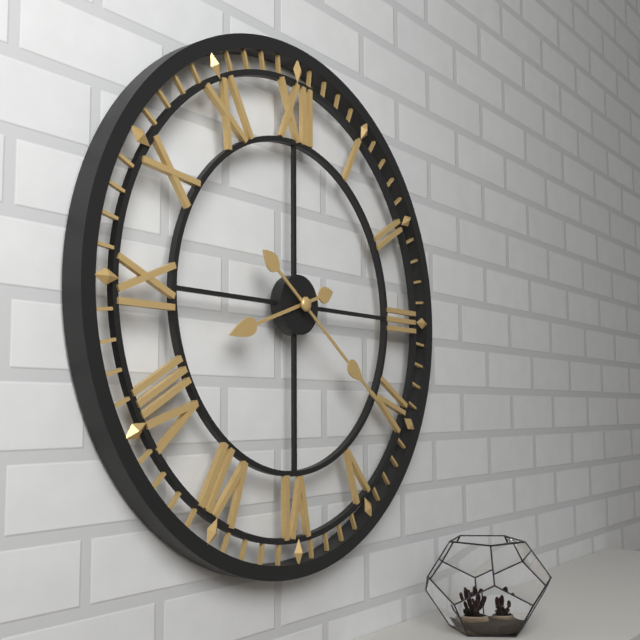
8:21
